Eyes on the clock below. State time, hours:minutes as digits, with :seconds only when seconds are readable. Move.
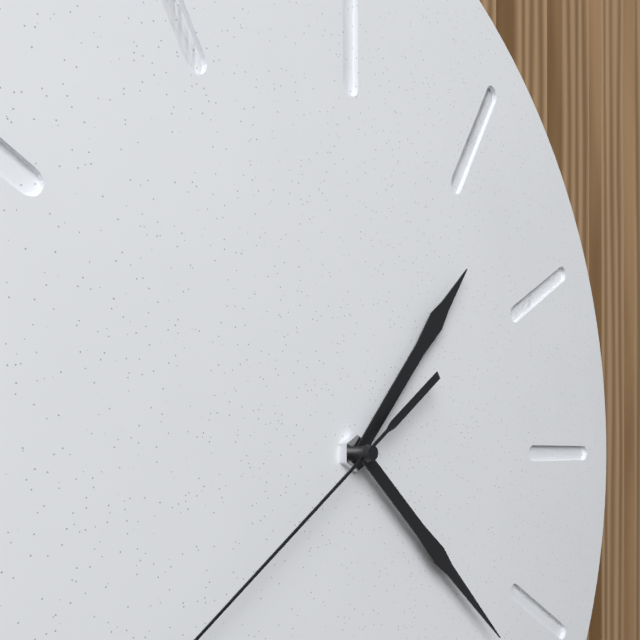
1:22
